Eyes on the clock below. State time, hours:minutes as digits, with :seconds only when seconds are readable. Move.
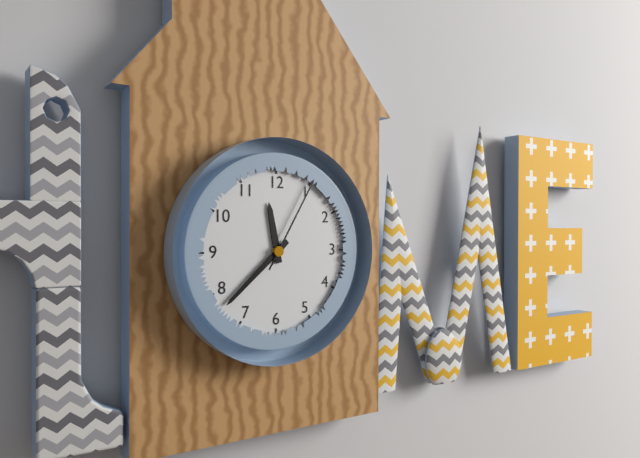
11:38:05
